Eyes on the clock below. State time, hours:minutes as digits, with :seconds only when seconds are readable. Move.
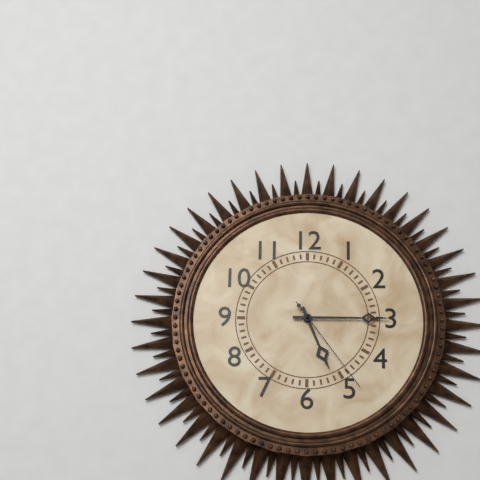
5:15:24
